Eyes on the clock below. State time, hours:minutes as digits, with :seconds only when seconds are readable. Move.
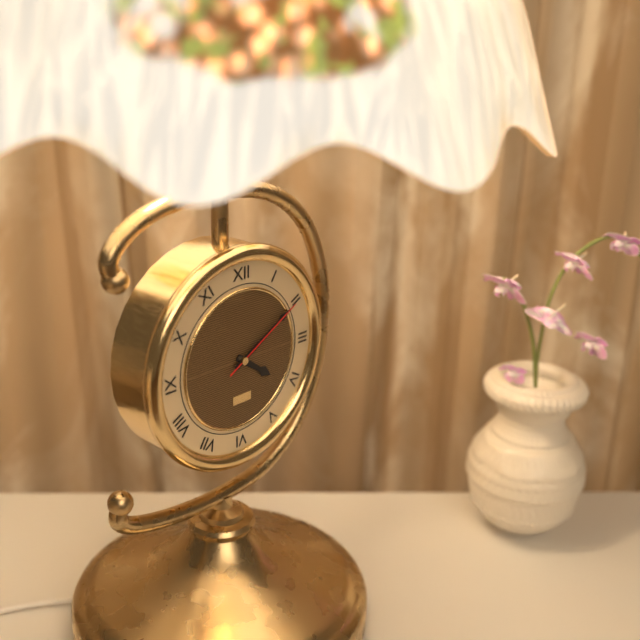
4:10:10
